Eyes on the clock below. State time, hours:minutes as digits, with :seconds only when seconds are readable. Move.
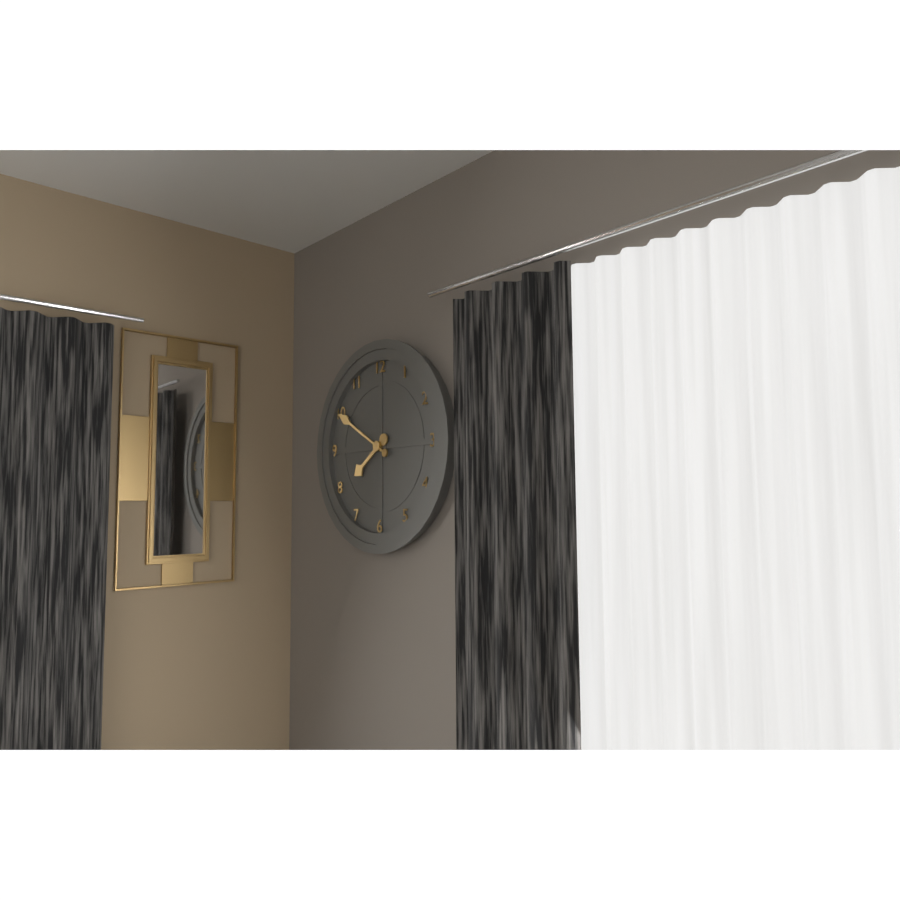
7:50
